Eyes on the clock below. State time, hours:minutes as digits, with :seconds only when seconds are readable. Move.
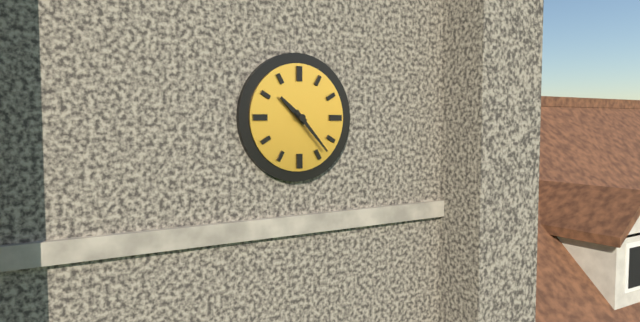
10:23
